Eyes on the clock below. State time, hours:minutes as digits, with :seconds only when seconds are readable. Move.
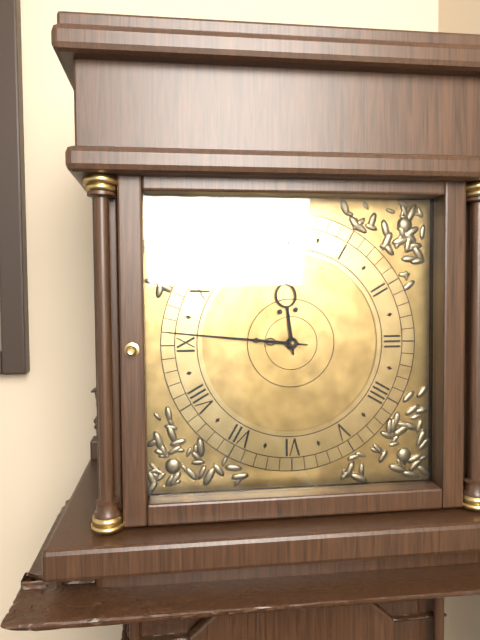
11:46
